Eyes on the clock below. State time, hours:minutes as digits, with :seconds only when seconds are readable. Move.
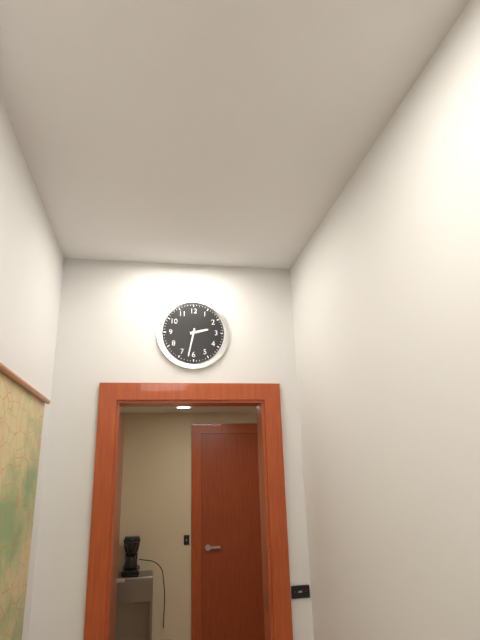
2:32
